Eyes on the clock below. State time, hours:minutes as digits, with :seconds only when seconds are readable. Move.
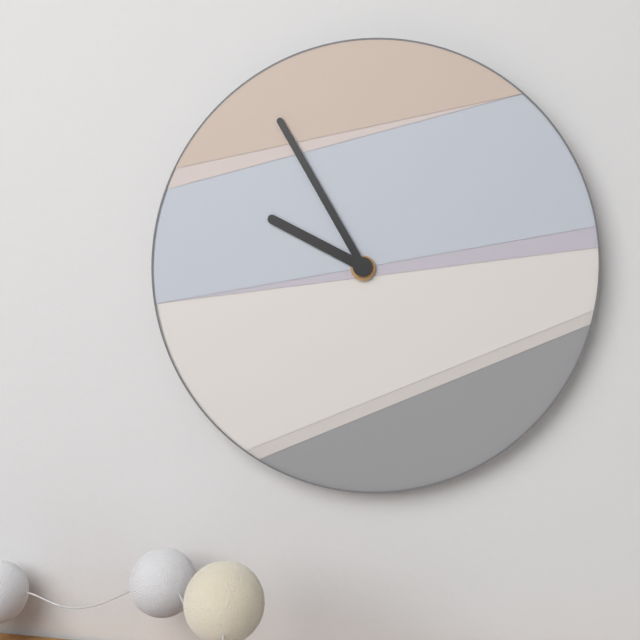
9:55
